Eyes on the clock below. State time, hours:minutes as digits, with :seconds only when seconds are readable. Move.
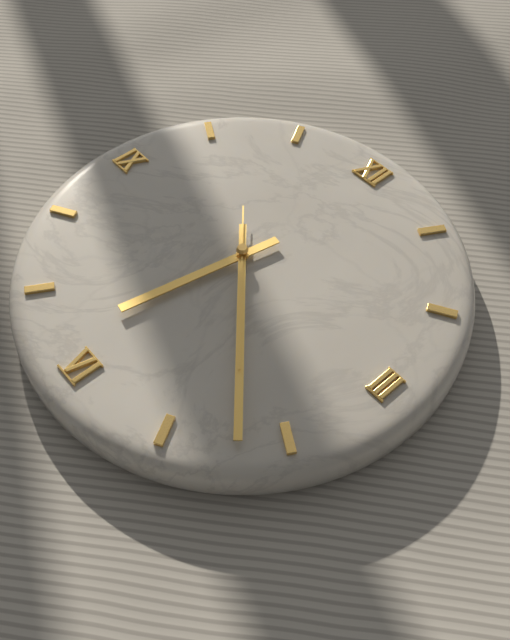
6:22:22
